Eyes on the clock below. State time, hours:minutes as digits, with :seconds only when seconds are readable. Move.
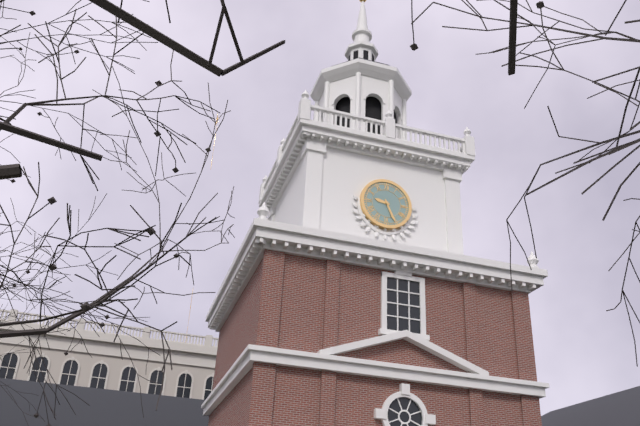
9:26
